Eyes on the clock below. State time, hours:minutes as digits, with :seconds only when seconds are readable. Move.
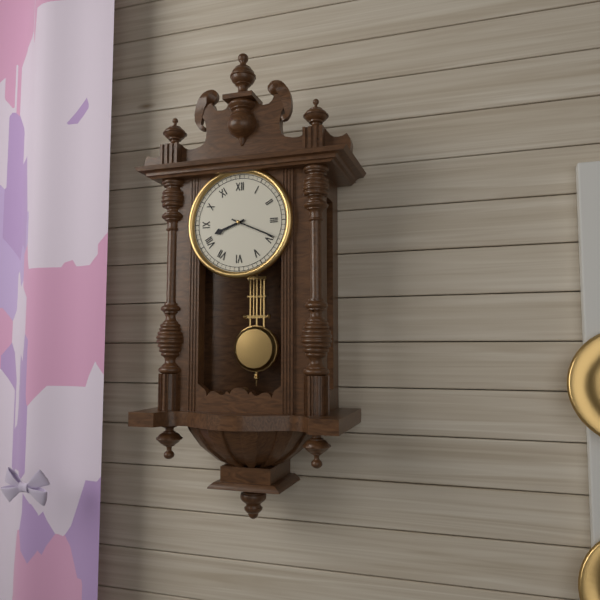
8:19
